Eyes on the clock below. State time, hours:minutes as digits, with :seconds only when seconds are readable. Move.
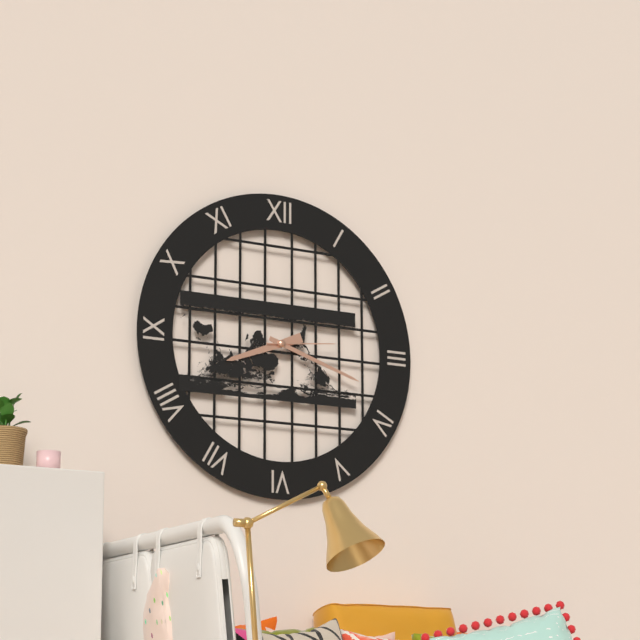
8:18:14
